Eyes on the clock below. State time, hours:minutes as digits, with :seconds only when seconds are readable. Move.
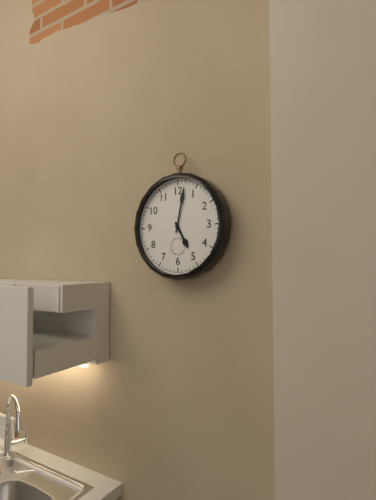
5:02
